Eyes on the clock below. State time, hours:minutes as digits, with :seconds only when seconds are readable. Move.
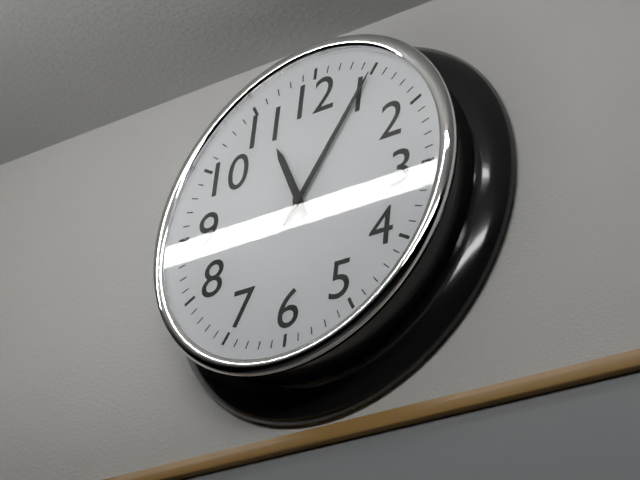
11:05
